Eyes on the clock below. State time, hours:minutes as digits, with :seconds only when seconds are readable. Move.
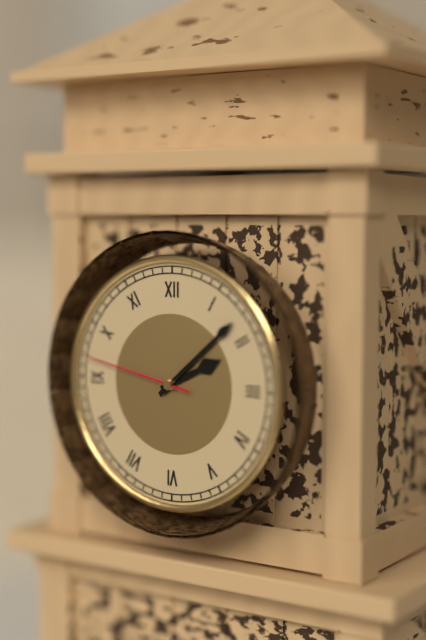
2:08:47
